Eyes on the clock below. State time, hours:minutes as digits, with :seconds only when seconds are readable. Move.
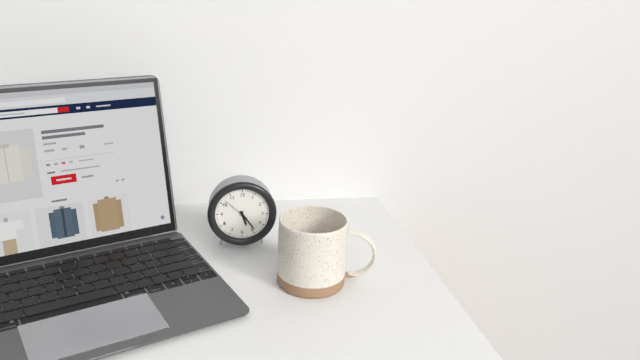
5:24
